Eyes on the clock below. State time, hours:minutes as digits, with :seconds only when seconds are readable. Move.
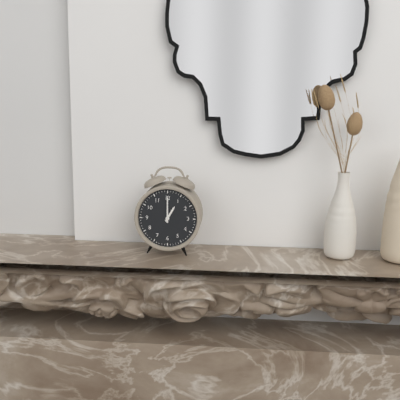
1:00
